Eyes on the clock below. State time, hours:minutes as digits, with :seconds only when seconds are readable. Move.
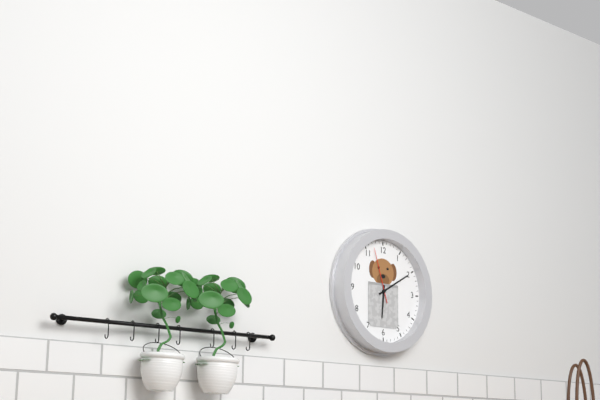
6:10:57
